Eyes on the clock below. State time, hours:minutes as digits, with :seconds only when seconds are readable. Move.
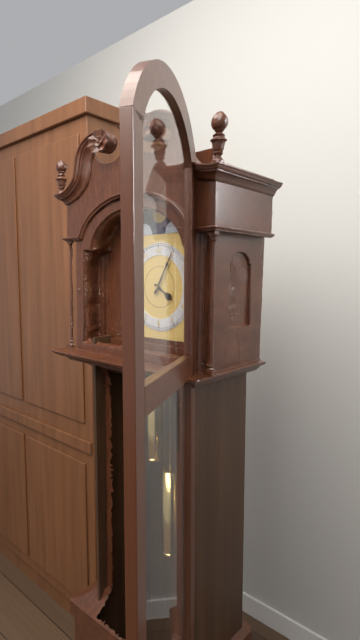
4:05
